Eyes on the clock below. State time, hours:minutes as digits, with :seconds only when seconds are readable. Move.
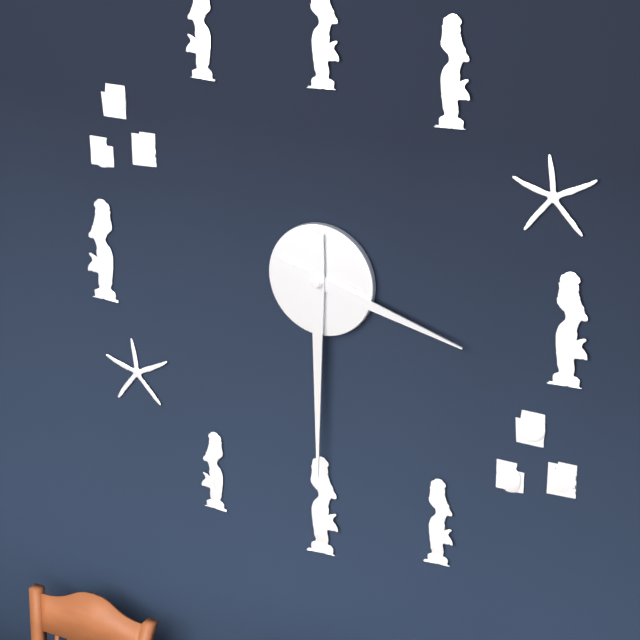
3:30
